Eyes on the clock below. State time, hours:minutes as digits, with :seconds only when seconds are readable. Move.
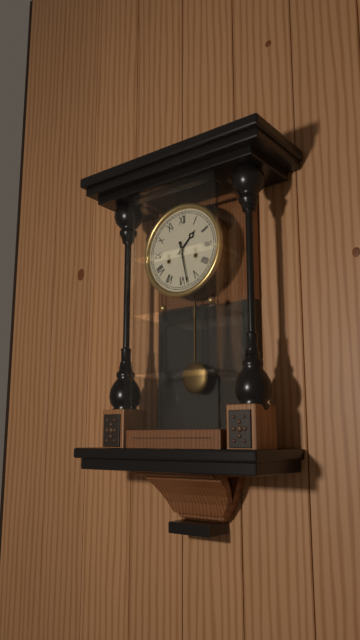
1:28
